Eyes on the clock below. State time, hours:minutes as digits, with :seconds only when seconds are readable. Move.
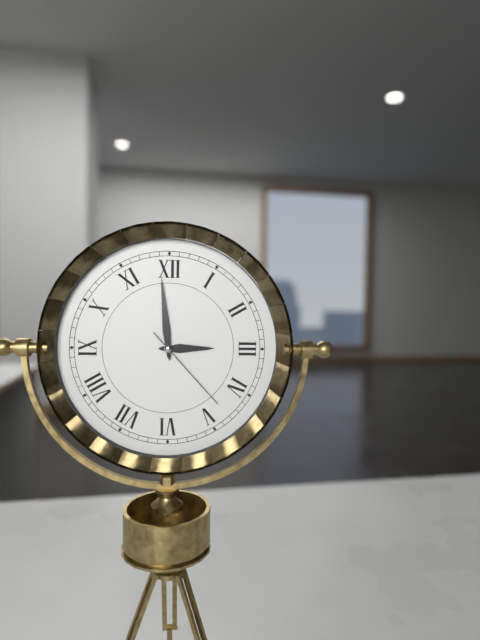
2:59:23
